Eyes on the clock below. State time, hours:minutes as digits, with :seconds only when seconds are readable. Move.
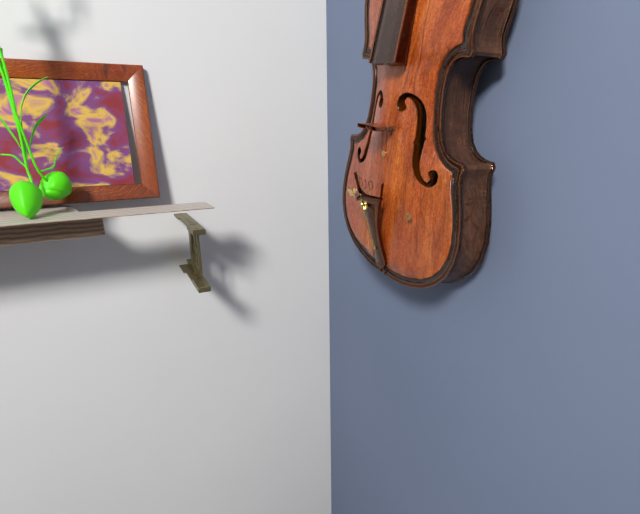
9:24
